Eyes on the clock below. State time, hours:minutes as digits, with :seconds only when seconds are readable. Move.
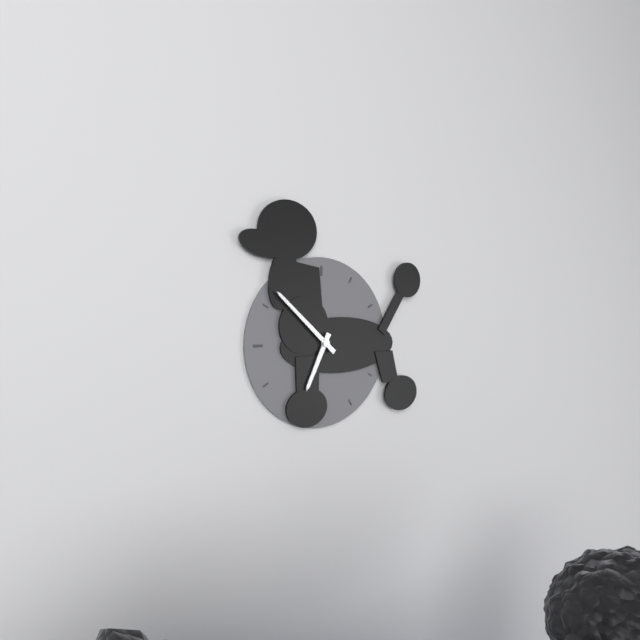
6:52
